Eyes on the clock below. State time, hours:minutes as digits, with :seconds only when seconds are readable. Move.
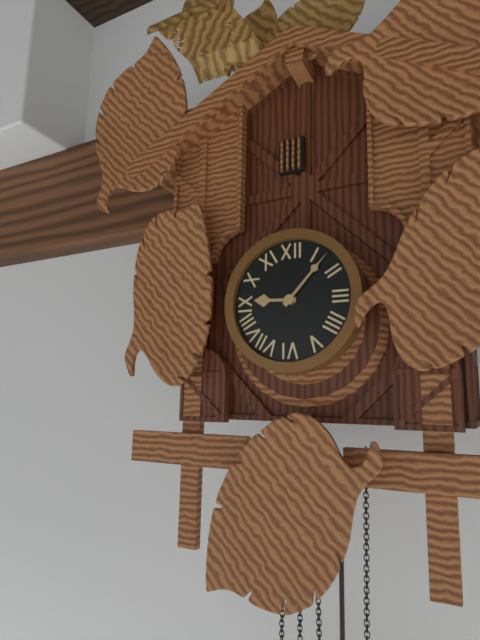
9:07
